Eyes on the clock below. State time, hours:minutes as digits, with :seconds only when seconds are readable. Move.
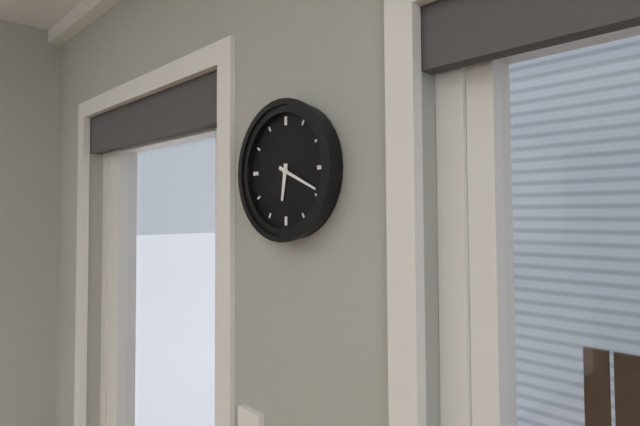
6:19
